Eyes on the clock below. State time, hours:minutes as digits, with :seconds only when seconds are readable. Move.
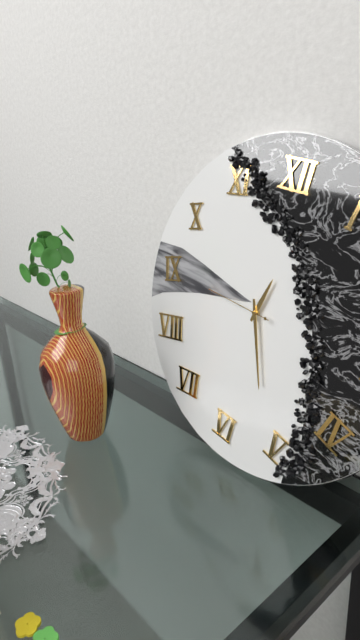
12:26:45
